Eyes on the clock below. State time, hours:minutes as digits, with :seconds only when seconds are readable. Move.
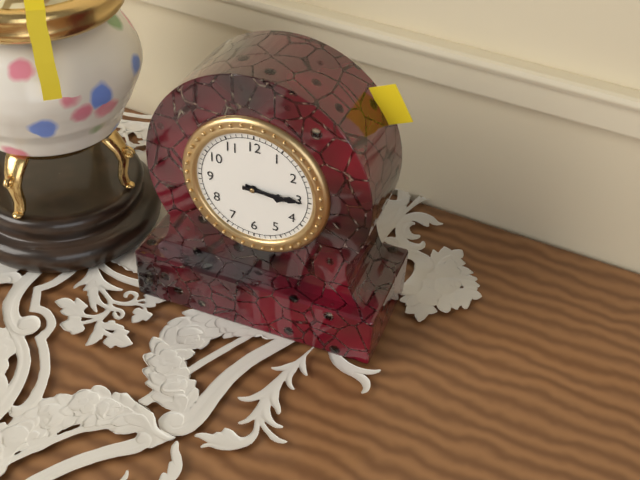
3:15
